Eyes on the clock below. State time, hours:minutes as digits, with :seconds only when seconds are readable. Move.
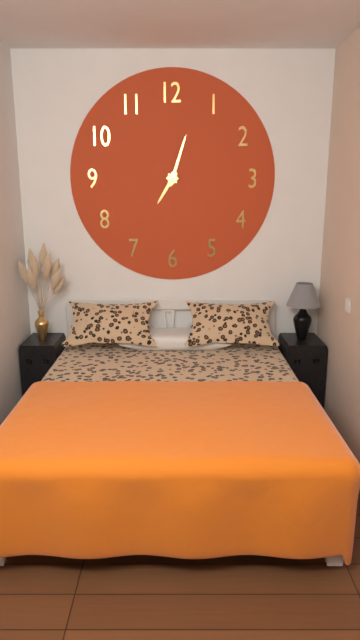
7:03
